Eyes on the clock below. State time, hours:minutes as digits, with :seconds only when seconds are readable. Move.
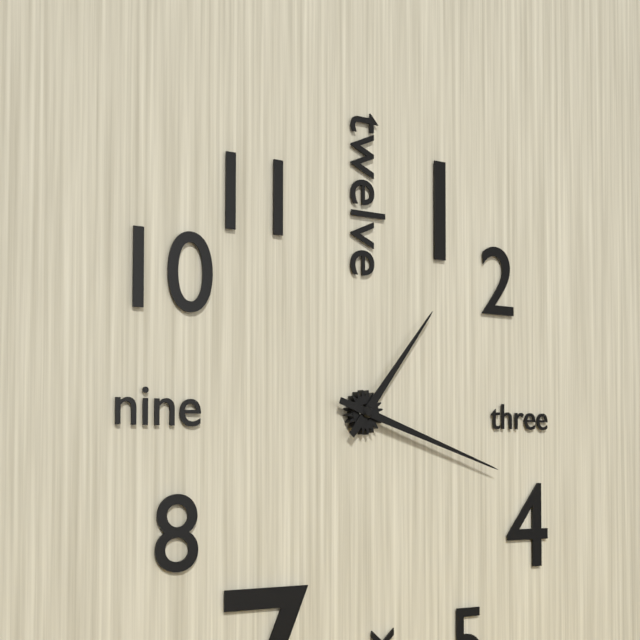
1:18
